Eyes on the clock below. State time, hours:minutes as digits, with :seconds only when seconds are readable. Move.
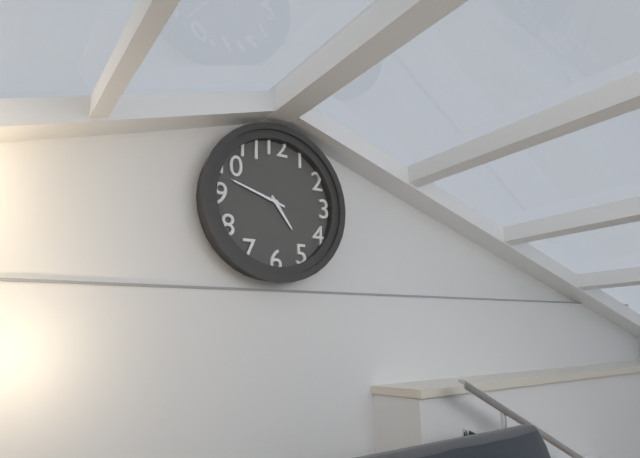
4:48
